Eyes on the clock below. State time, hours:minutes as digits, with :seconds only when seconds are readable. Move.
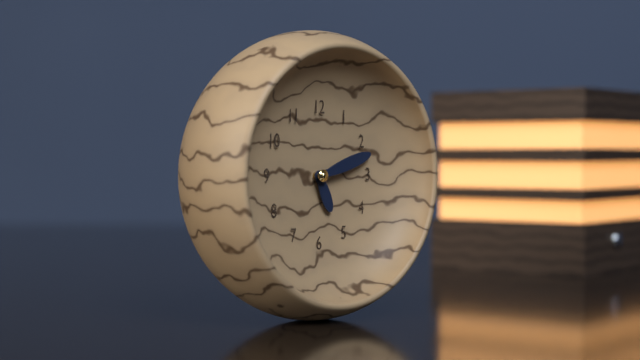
5:12
